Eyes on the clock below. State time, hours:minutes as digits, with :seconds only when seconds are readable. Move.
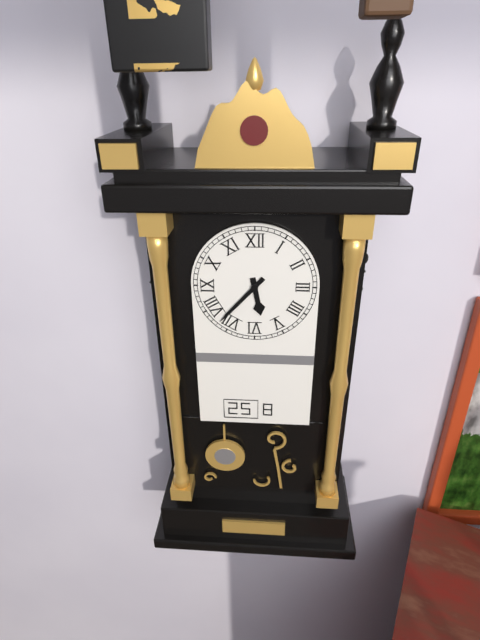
5:37
